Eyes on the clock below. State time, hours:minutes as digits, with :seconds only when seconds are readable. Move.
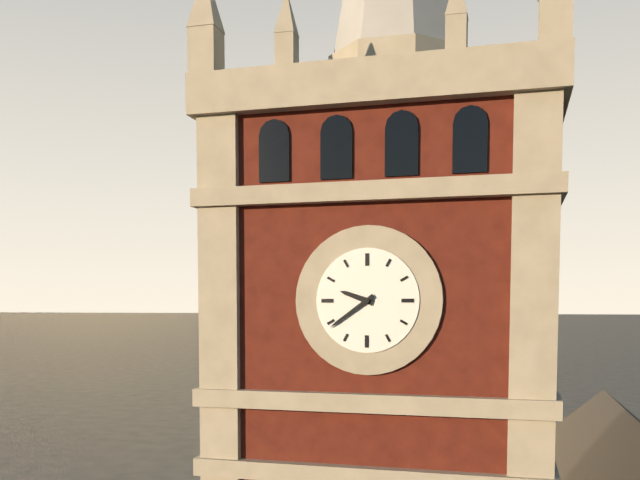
9:39
